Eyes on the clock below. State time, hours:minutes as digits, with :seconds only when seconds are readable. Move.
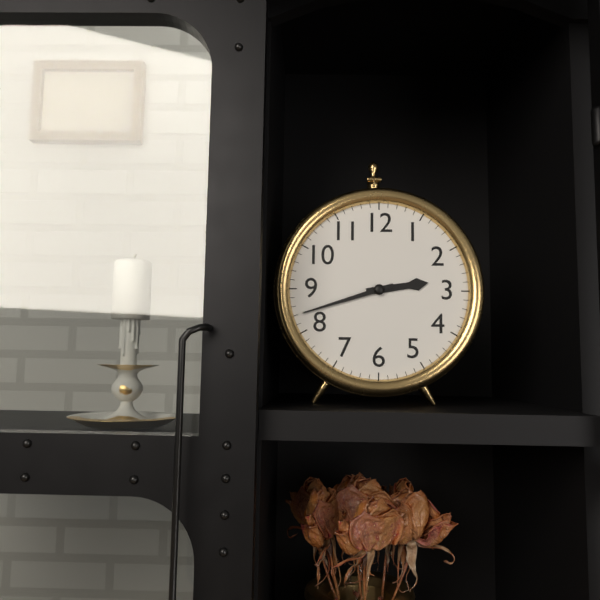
2:42
